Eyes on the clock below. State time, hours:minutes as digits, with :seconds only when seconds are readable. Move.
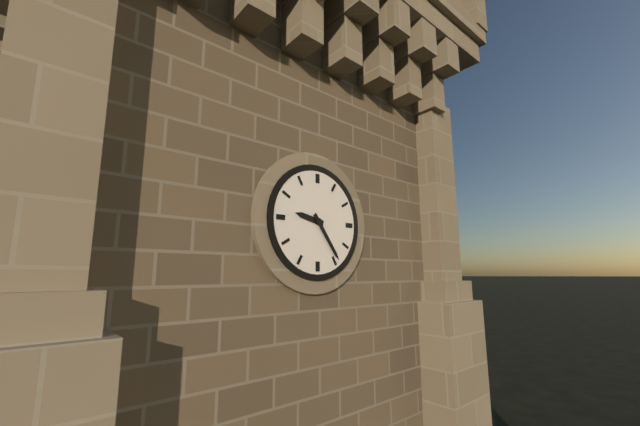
9:24
